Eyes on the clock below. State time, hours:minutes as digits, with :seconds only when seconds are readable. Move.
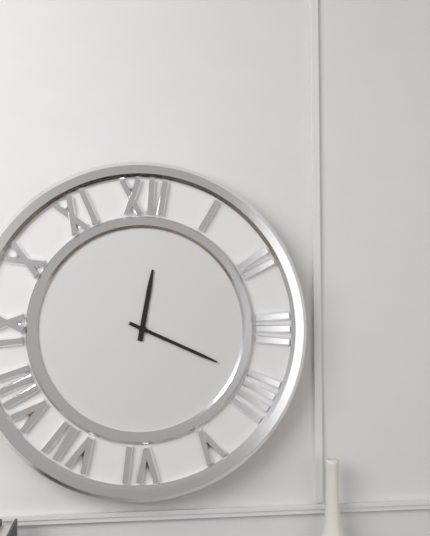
12:19
